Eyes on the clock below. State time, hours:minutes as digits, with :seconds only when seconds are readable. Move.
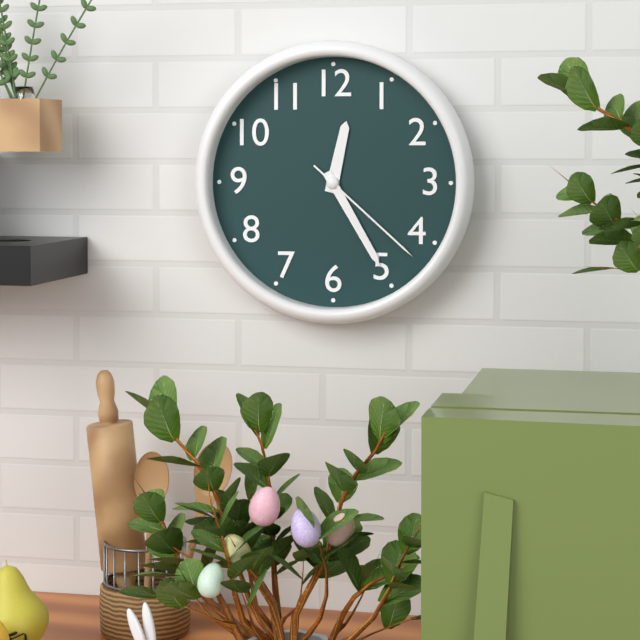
12:25:22
